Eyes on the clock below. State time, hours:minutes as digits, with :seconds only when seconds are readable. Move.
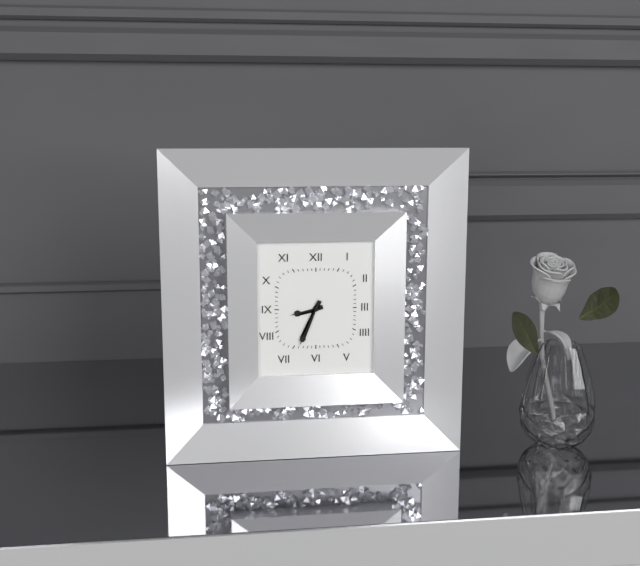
8:34
